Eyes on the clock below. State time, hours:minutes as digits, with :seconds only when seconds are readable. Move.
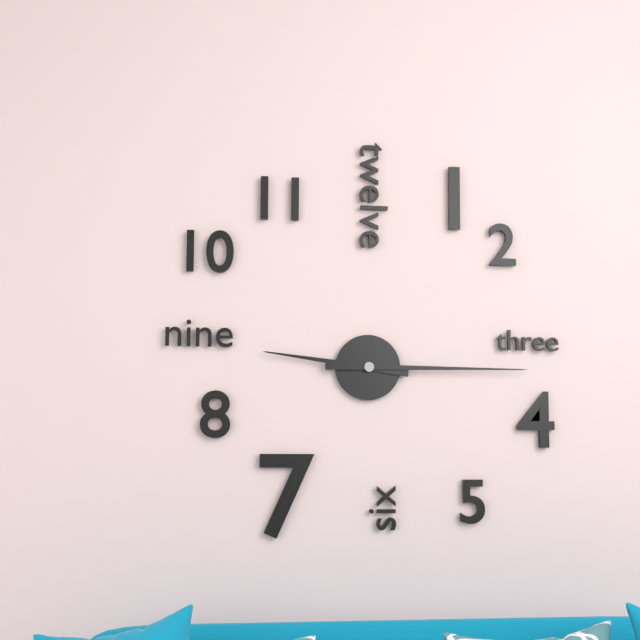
9:15
